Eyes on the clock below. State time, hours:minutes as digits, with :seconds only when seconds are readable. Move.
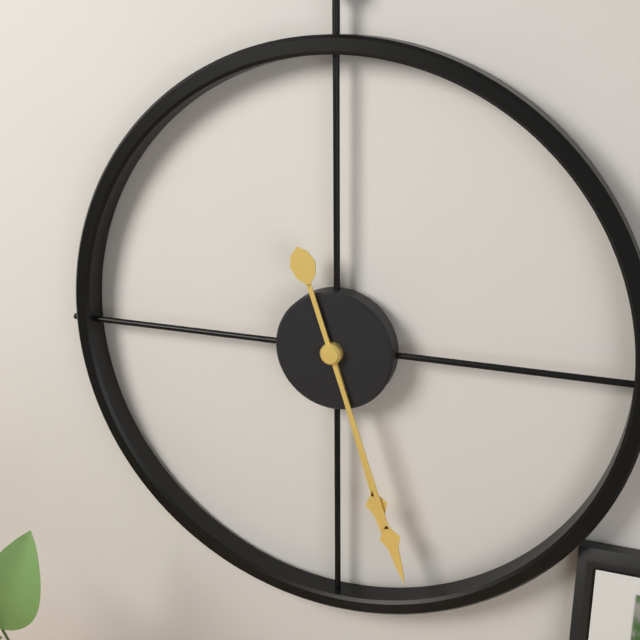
5:27
